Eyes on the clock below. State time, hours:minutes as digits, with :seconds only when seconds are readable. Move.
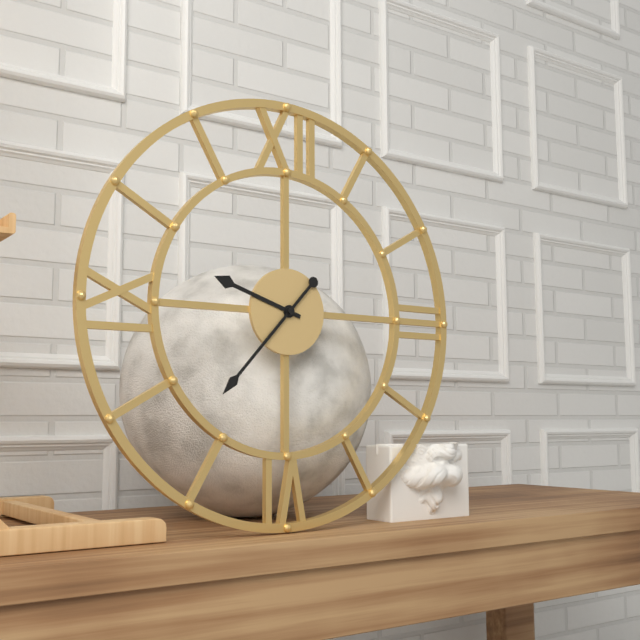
9:37
